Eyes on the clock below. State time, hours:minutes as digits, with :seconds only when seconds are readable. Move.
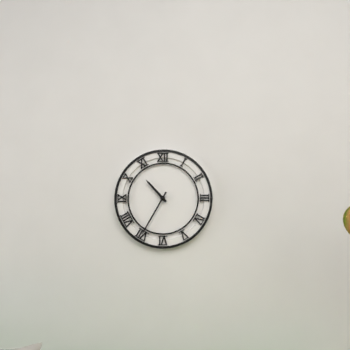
10:35
